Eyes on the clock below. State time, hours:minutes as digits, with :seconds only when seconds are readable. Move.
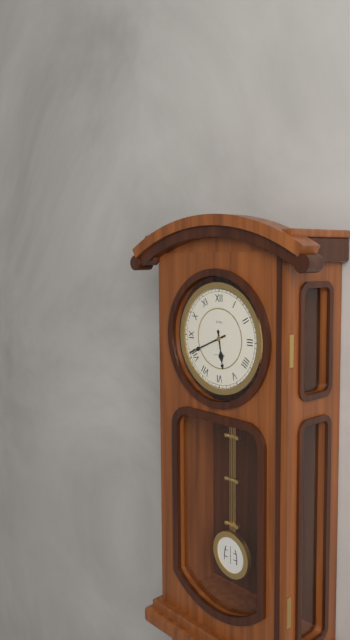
5:41
